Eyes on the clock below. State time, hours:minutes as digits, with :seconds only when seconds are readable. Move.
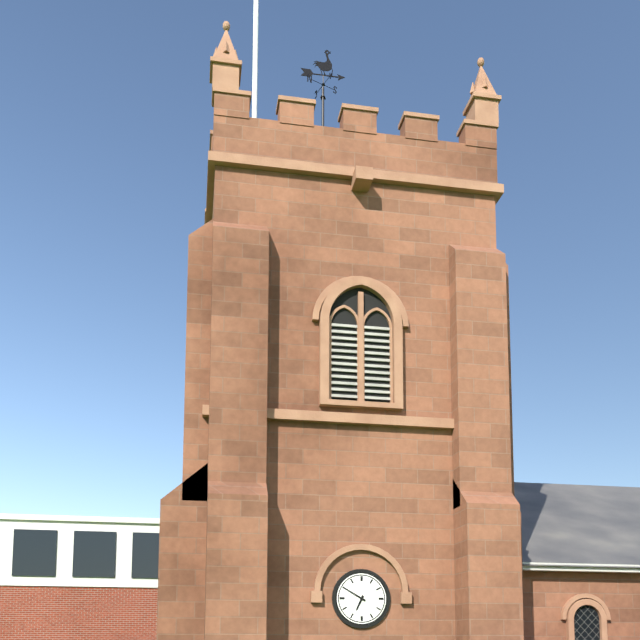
6:50
